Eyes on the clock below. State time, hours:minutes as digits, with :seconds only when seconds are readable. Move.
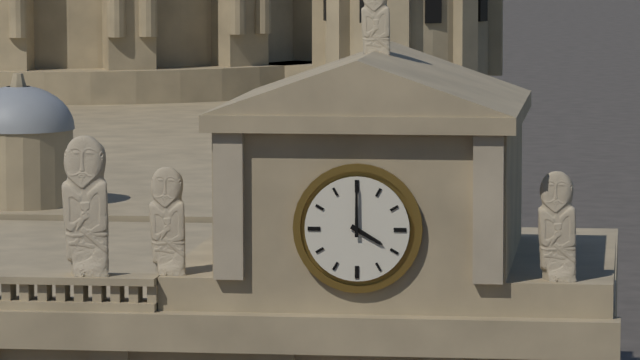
4:00
